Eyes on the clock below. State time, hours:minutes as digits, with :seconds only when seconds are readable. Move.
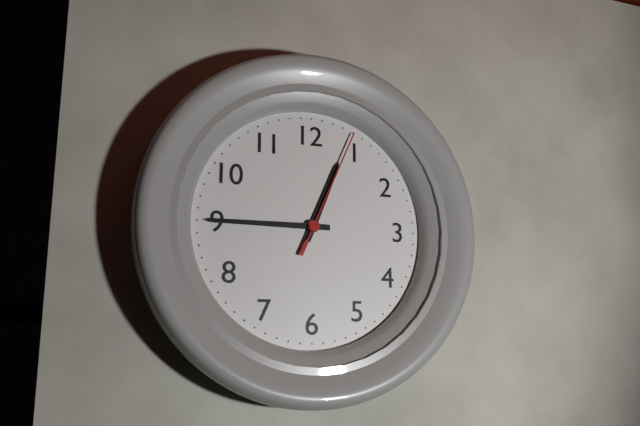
12:45:04
